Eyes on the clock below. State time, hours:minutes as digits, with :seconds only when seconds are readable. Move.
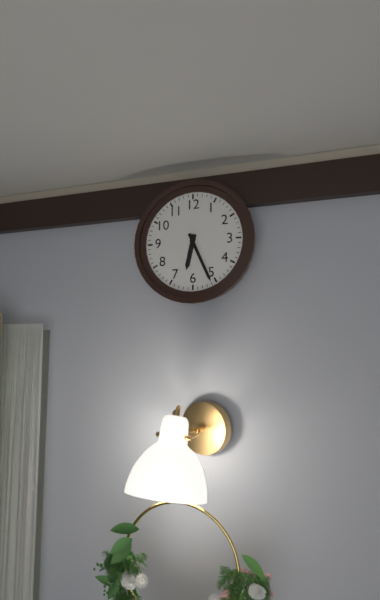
6:26
